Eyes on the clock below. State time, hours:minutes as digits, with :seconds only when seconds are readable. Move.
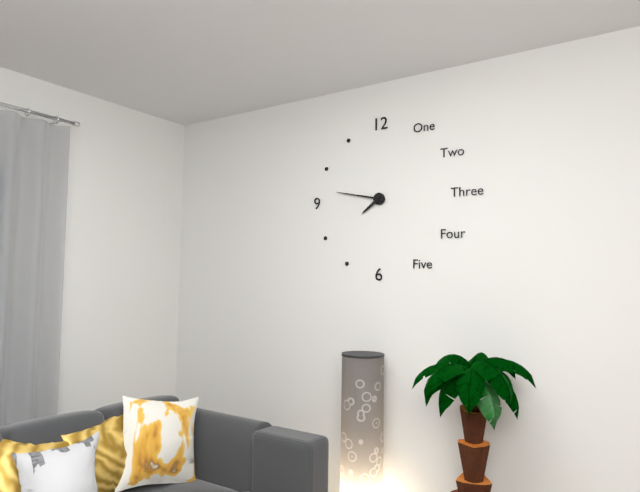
7:47
